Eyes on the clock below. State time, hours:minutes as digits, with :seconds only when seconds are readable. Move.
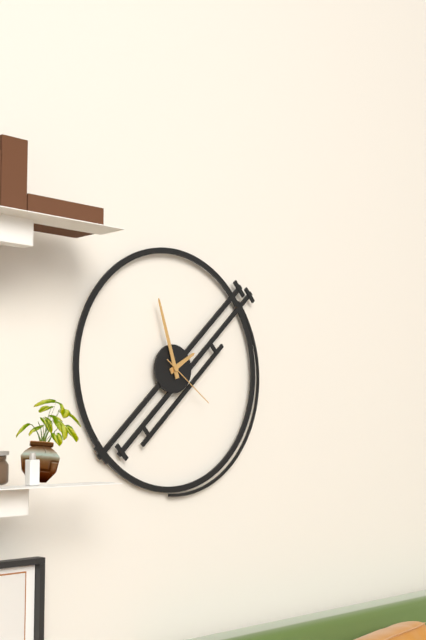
1:57:21
